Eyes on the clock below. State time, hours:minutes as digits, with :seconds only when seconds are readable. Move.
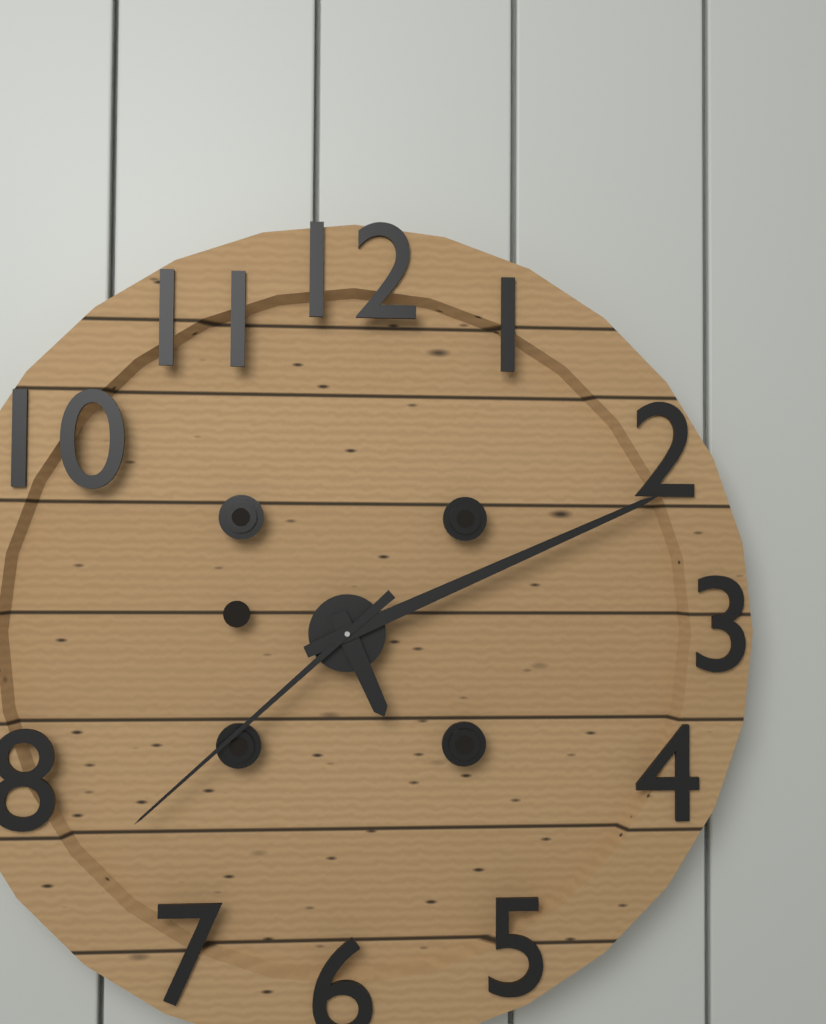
5:11:38
